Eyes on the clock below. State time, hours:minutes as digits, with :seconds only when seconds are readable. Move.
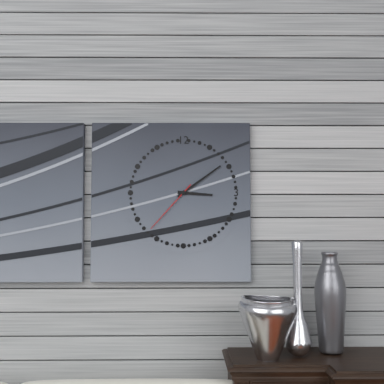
3:09:37
